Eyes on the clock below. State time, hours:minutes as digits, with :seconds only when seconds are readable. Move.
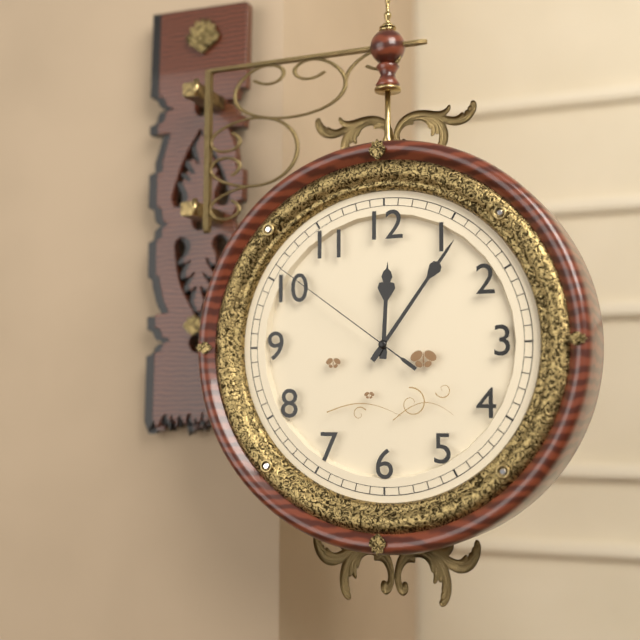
12:06:51
